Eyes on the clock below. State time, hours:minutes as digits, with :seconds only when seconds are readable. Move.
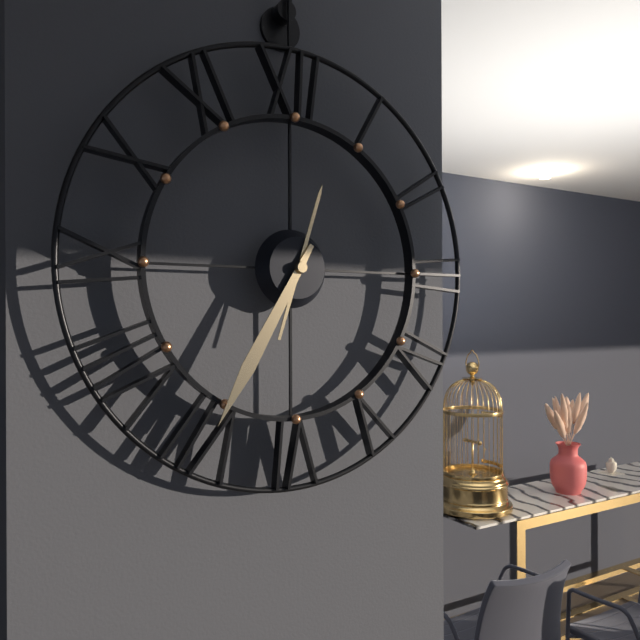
12:35
